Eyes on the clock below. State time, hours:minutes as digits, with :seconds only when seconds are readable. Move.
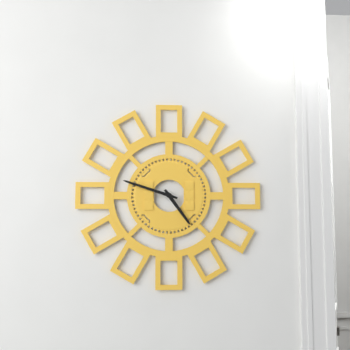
4:48
